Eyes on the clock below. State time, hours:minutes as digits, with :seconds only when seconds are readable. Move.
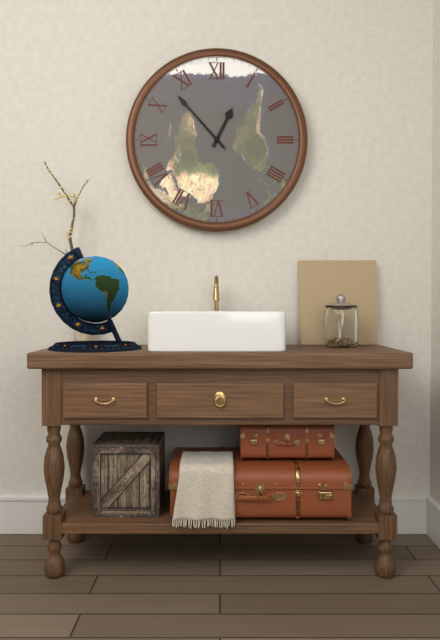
12:53
